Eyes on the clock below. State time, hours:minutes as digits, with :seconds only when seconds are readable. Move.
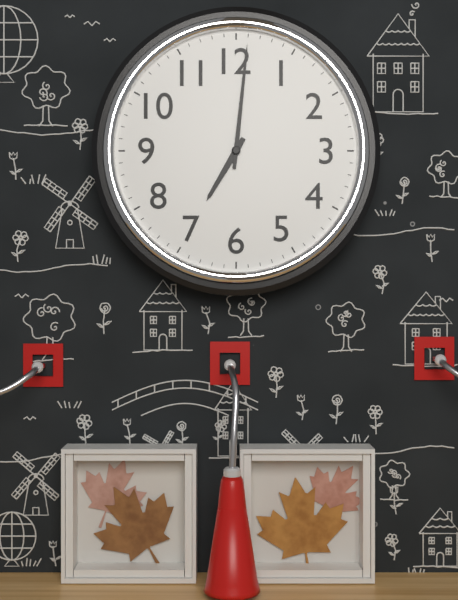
7:01
